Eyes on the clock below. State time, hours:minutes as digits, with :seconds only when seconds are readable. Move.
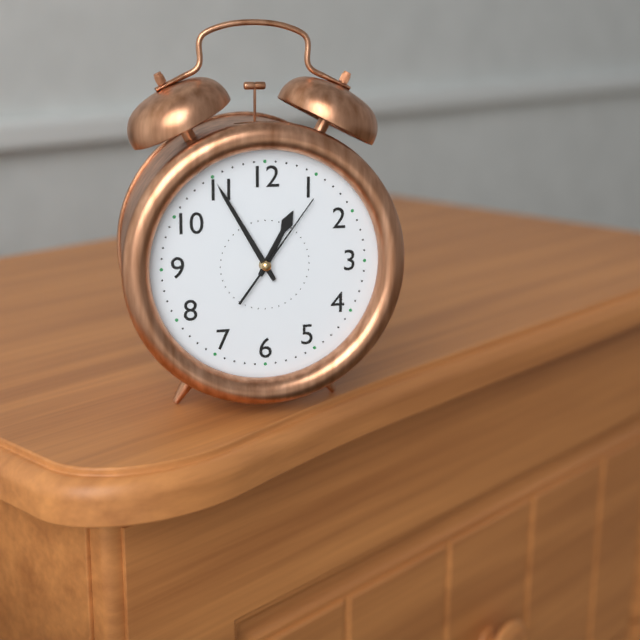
12:55:06
